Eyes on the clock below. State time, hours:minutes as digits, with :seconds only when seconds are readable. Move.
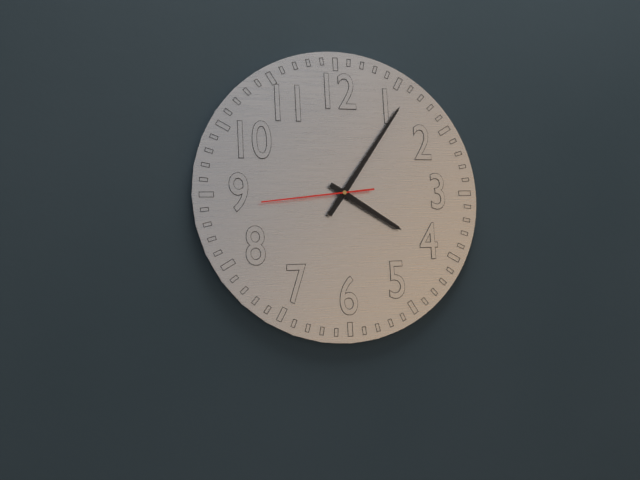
4:06:44
